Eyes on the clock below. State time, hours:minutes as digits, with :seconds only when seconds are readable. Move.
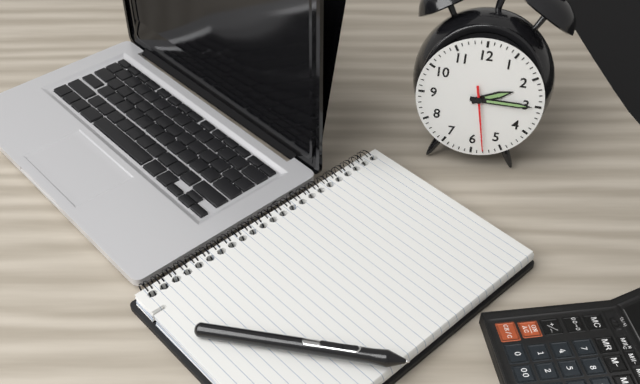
2:15:28
